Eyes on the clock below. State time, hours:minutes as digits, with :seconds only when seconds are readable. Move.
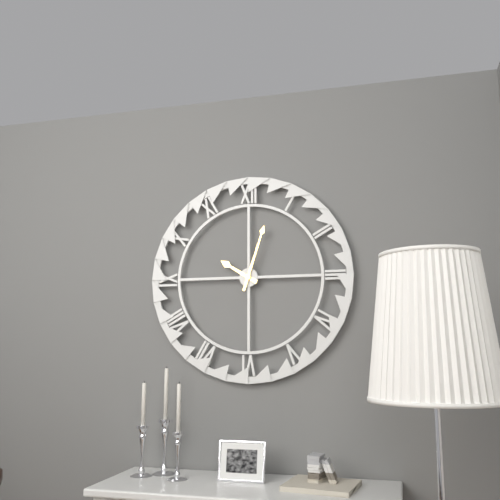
10:03
